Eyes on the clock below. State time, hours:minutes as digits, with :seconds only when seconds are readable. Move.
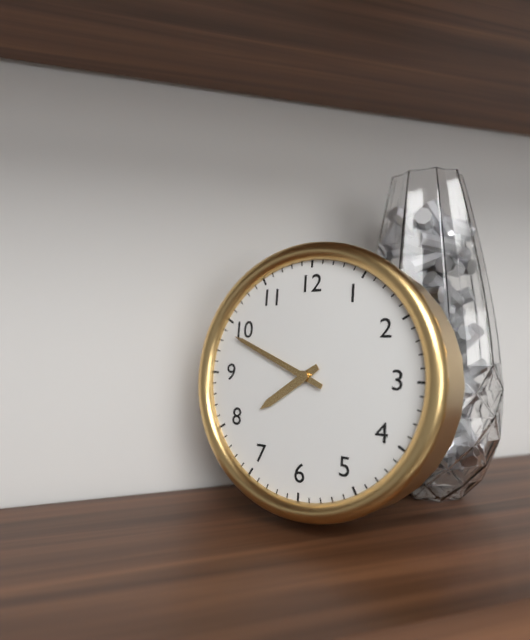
7:49
